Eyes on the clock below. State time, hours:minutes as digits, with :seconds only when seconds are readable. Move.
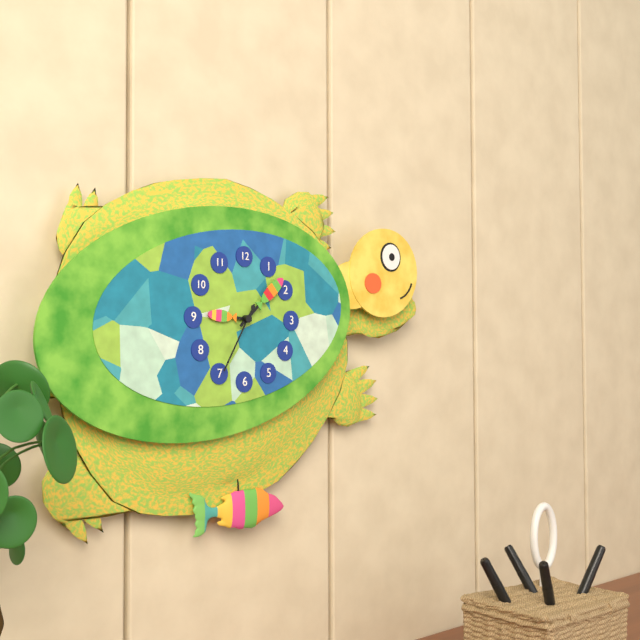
9:08:35
